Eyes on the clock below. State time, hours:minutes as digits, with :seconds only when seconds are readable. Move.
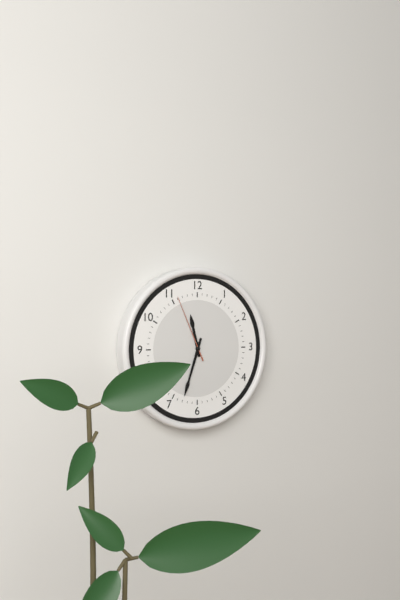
11:33:56
